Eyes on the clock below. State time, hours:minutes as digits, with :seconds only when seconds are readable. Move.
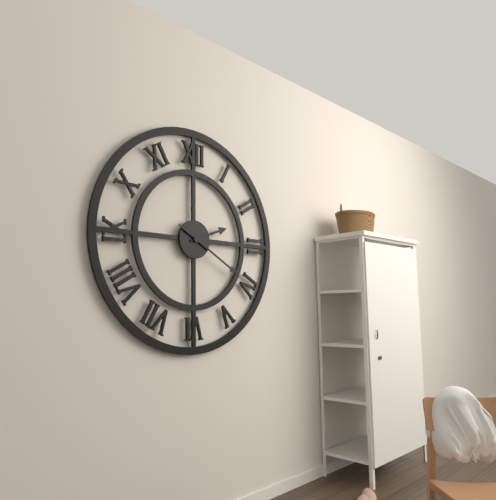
2:20
